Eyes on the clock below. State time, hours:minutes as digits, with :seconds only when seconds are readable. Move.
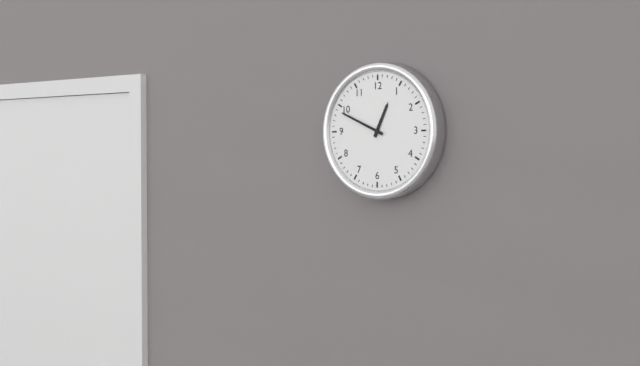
12:49
